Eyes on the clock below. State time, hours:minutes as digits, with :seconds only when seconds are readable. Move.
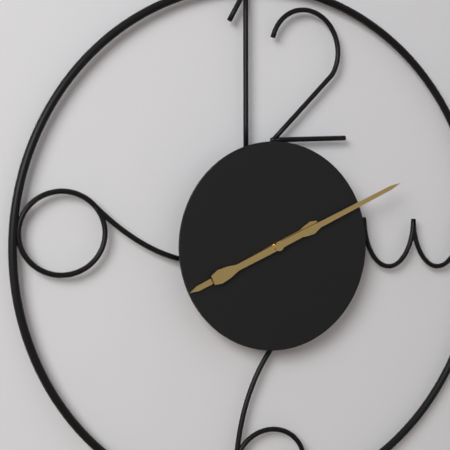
8:11
